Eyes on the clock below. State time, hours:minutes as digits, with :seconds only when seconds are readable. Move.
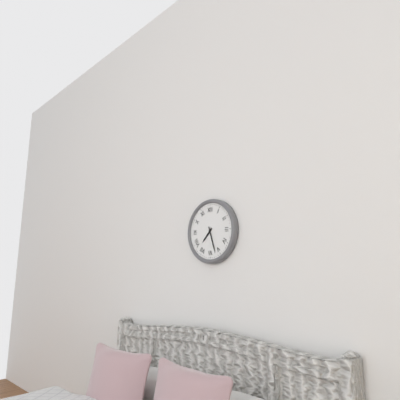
7:27
